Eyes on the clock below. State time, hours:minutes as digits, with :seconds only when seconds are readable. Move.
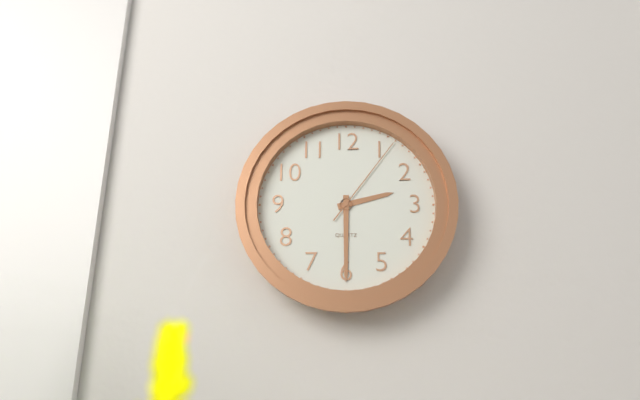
2:30:06
